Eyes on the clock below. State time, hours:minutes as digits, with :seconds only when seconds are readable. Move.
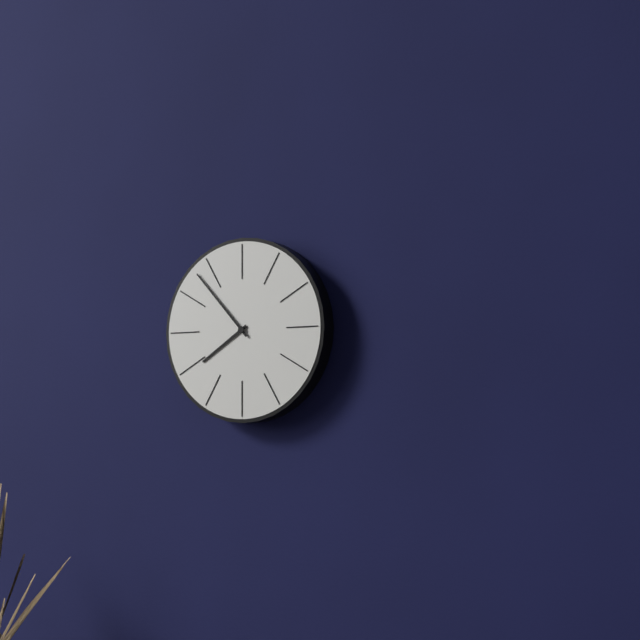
7:53
